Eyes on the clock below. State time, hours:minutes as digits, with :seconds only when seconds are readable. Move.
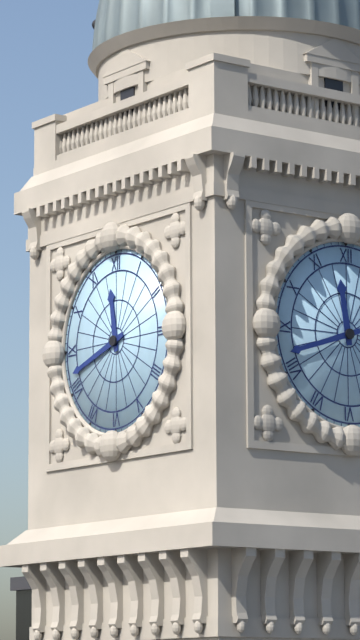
11:42
